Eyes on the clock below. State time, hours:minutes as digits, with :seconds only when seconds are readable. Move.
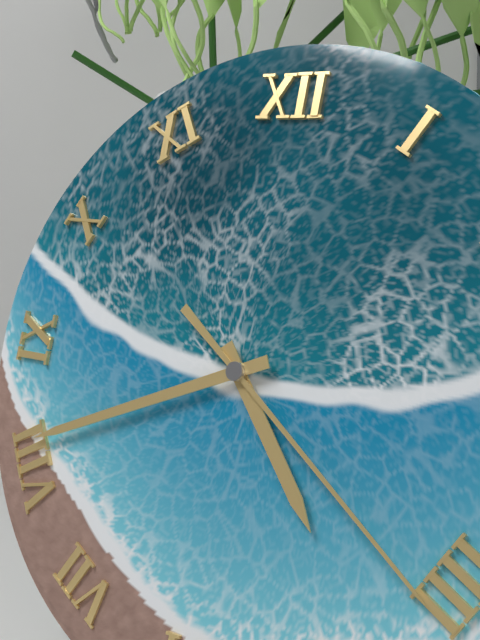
4:41:21
